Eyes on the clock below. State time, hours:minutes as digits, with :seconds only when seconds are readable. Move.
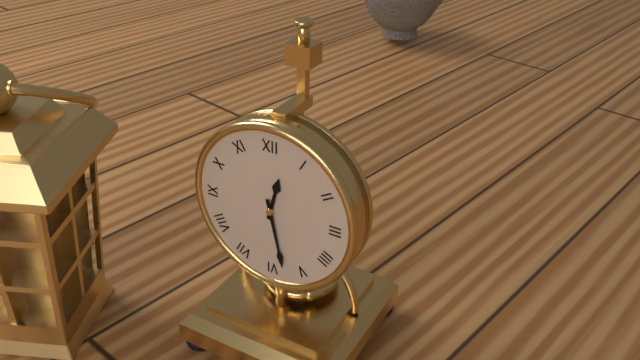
12:28
